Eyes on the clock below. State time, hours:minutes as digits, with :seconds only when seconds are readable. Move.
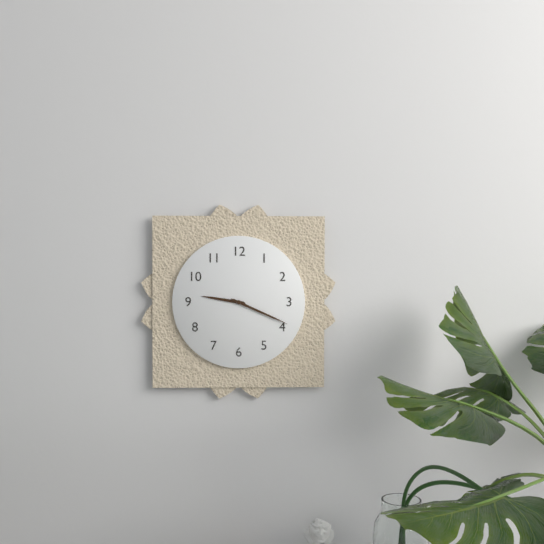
9:19
